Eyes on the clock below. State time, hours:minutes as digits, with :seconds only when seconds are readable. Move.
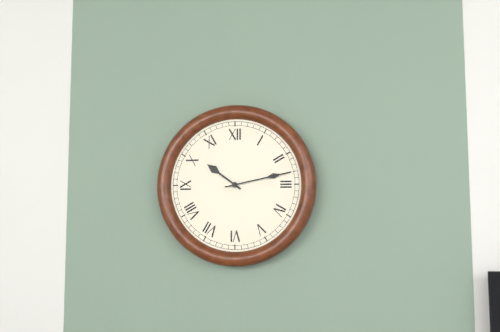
10:13
